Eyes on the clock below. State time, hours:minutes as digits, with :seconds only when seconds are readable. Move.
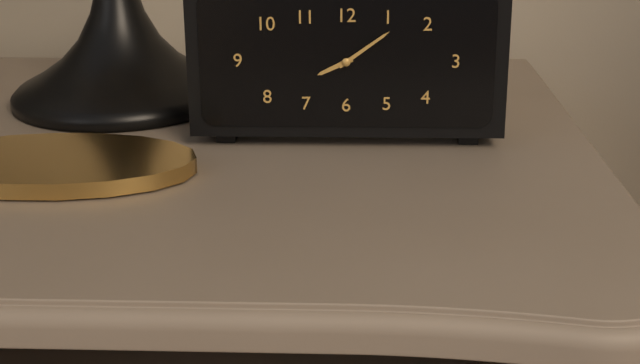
8:09
